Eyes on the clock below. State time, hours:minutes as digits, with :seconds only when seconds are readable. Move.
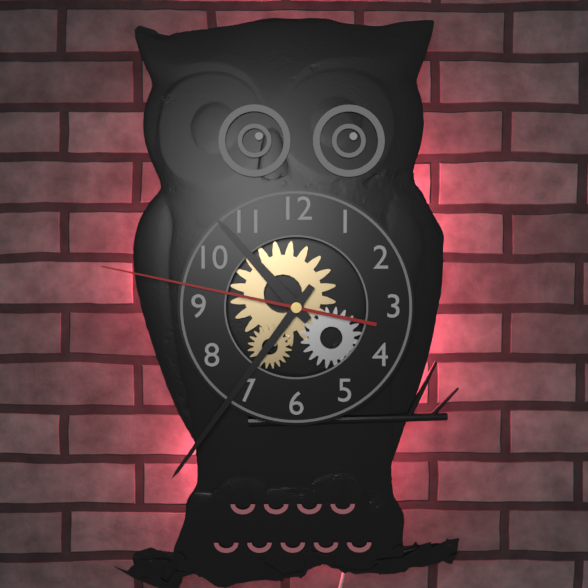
10:36:47
